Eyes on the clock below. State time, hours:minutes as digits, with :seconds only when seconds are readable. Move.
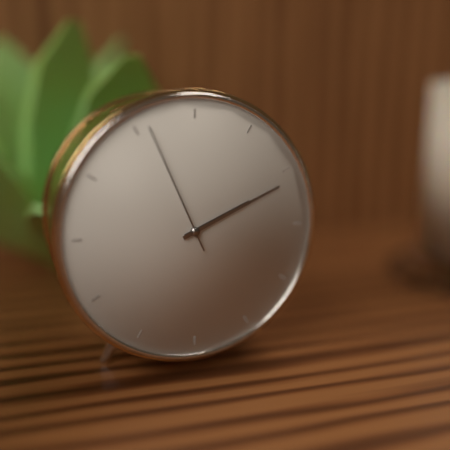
2:11:56
